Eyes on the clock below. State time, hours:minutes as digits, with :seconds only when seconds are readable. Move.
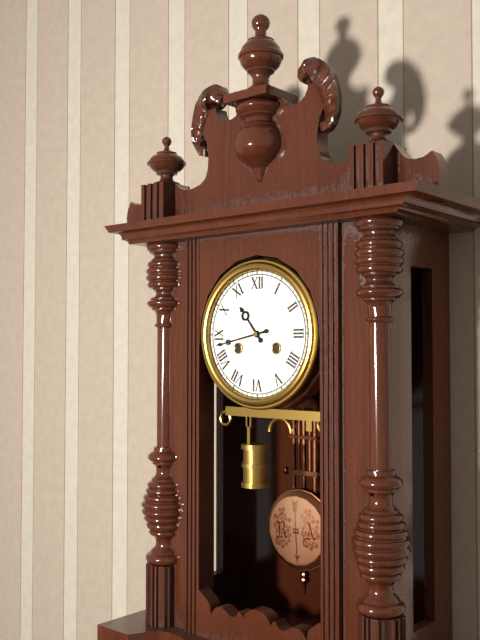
10:43
